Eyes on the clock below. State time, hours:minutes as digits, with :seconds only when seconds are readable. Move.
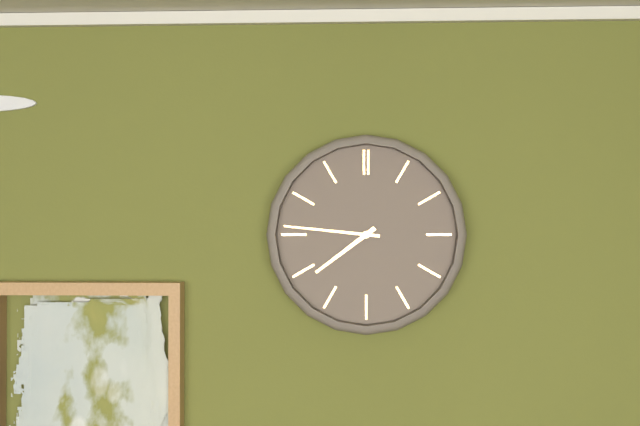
7:46
